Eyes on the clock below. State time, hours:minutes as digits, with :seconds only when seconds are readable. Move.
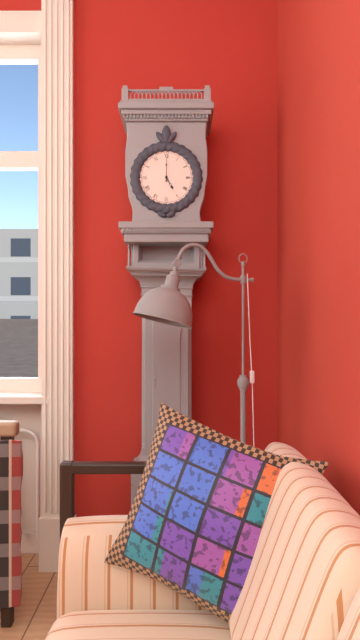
5:00
